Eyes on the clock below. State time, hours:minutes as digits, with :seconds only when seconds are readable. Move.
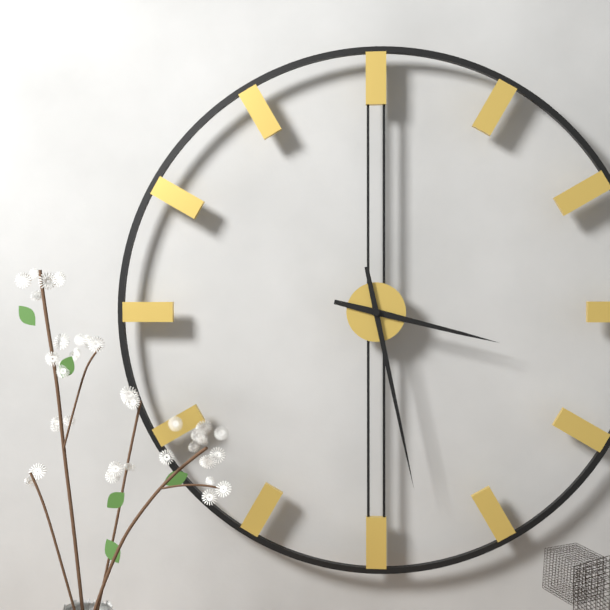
3:28
